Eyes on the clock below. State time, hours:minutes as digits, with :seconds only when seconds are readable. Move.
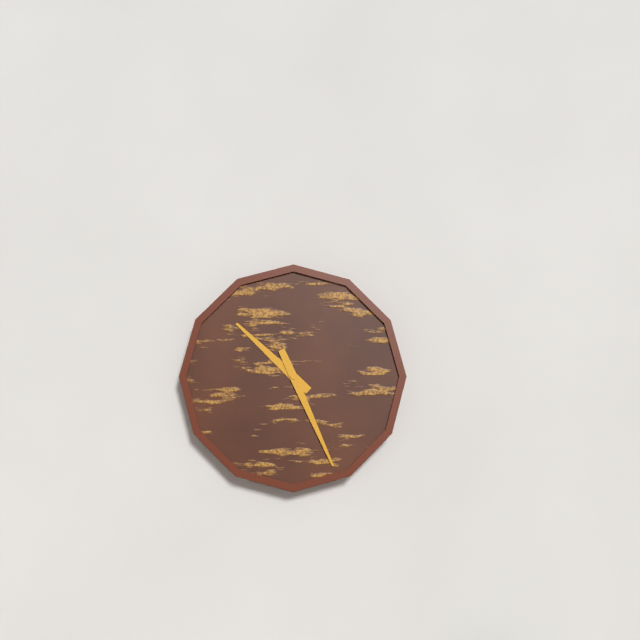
10:26
